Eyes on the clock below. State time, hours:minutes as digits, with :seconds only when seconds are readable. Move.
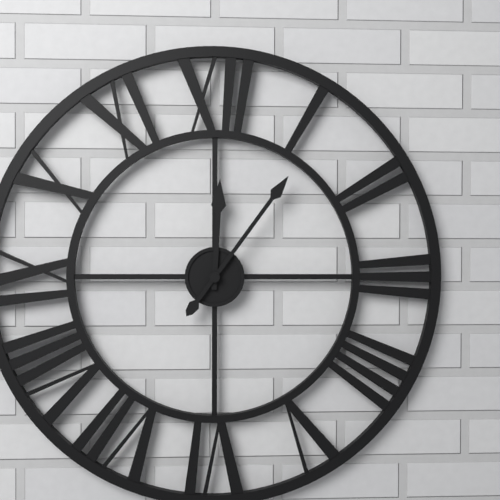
12:06
